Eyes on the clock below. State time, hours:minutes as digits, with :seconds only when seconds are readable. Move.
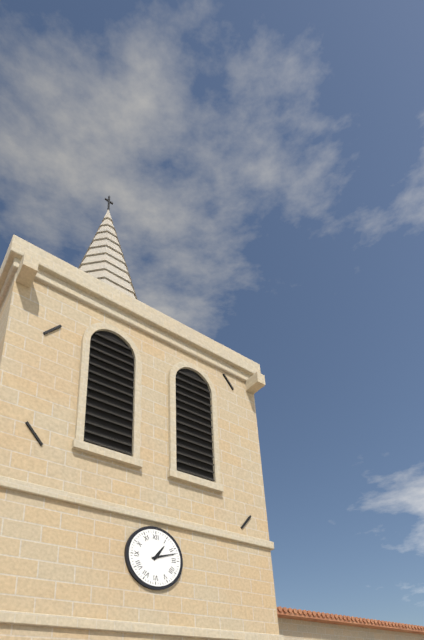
1:12
